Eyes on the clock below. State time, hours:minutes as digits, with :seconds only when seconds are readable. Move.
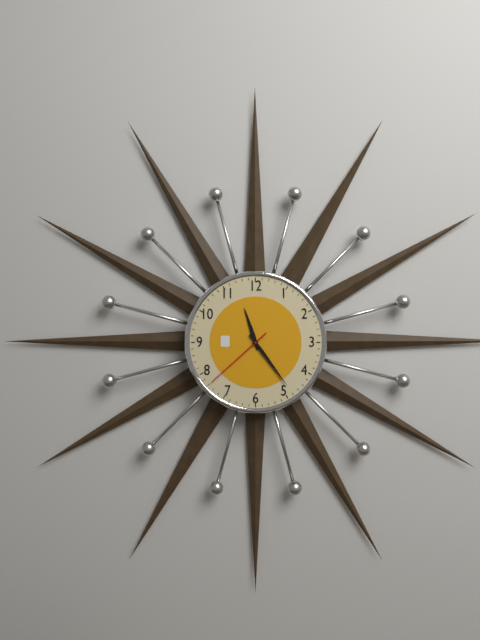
11:24:38
